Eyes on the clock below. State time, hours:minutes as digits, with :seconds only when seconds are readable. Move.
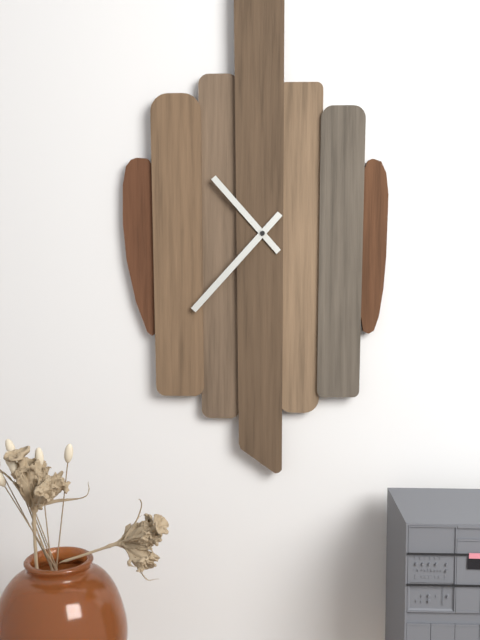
10:37
